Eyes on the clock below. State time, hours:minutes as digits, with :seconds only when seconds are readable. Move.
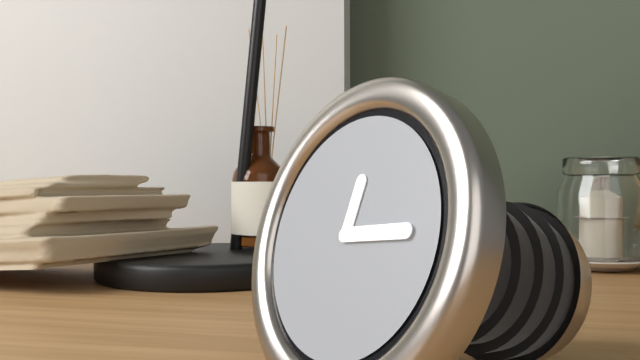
12:14
